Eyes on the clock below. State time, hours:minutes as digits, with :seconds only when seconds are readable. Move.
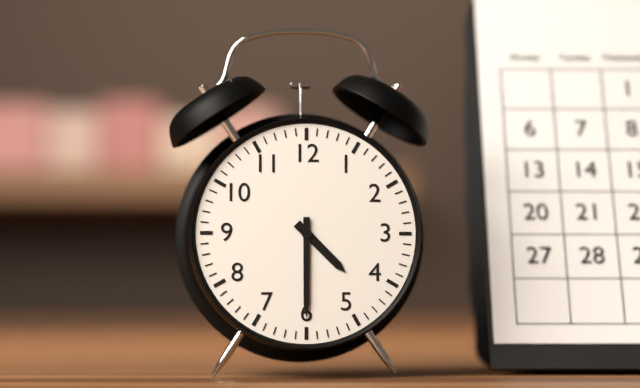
4:30
